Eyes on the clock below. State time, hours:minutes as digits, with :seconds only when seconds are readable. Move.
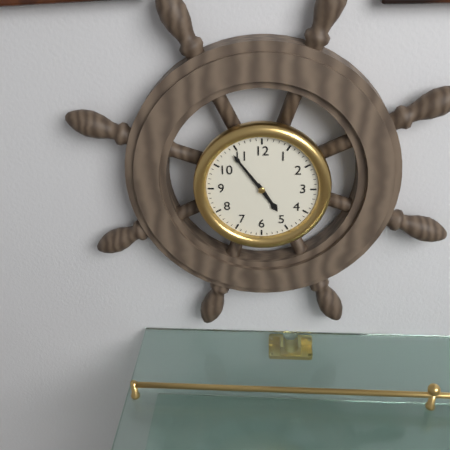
4:54
